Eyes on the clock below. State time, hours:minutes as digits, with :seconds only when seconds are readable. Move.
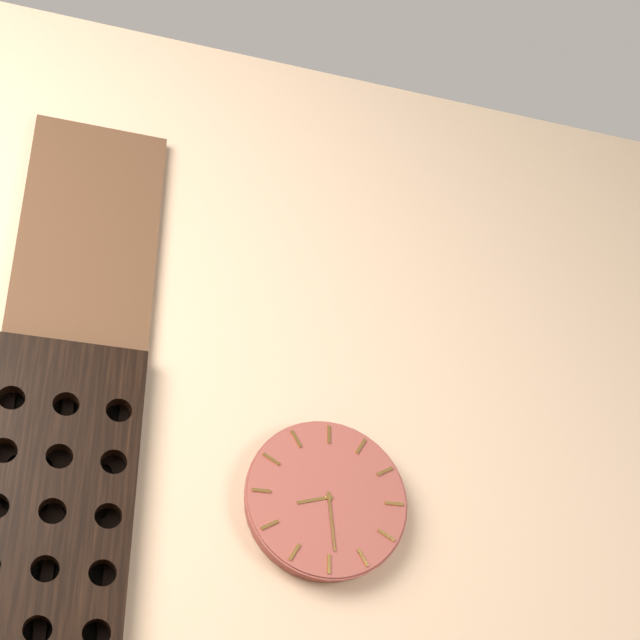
8:29
